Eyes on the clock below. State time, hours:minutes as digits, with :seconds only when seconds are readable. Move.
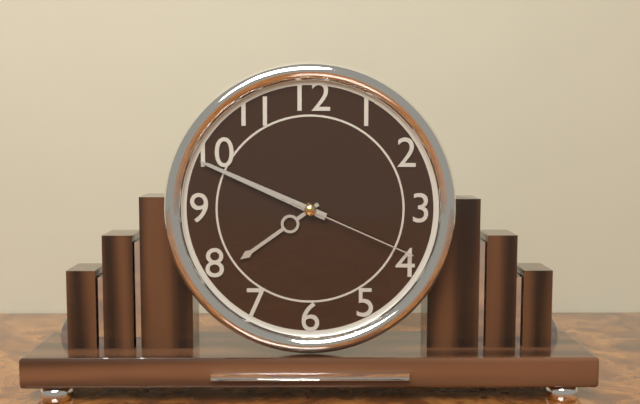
7:49:19
